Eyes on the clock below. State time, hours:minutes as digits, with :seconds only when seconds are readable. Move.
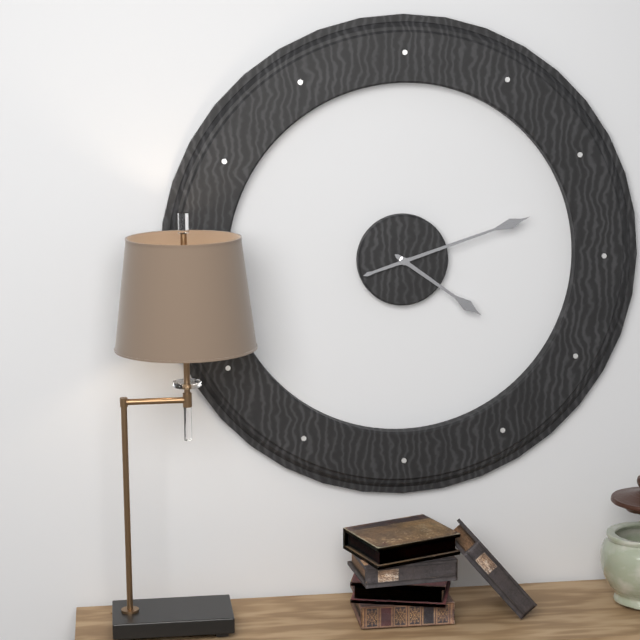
4:12
